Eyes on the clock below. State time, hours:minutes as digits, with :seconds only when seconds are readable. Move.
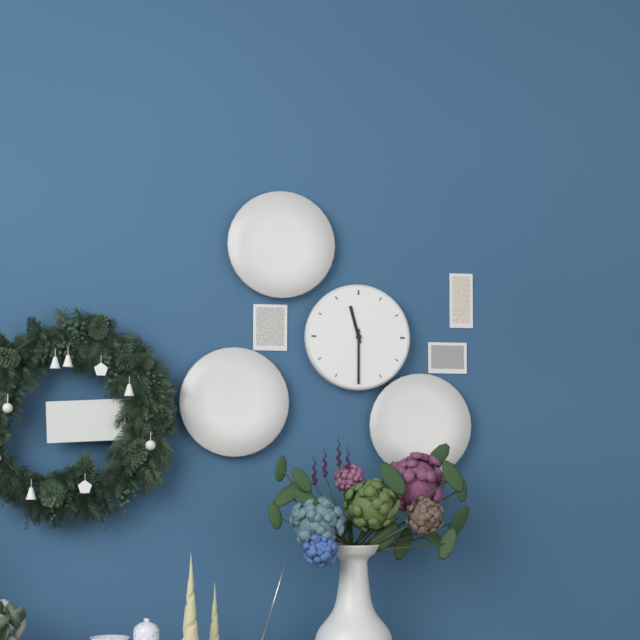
11:30
